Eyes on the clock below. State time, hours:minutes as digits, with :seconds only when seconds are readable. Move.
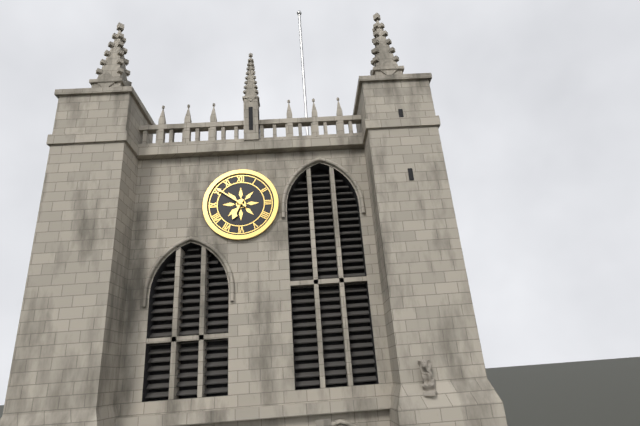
6:51
